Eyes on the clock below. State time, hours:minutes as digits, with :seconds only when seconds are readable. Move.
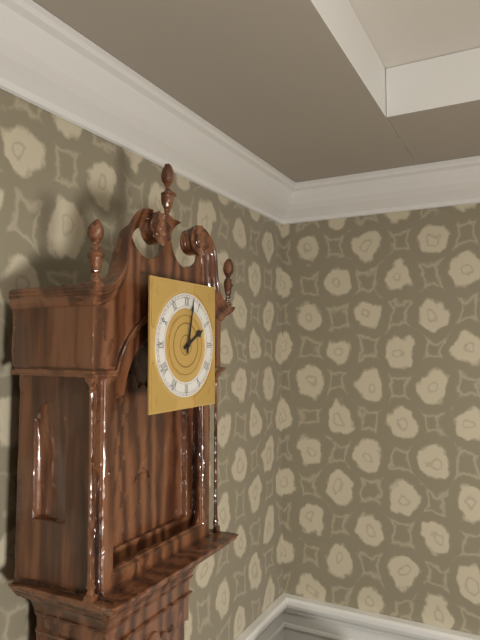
2:02
